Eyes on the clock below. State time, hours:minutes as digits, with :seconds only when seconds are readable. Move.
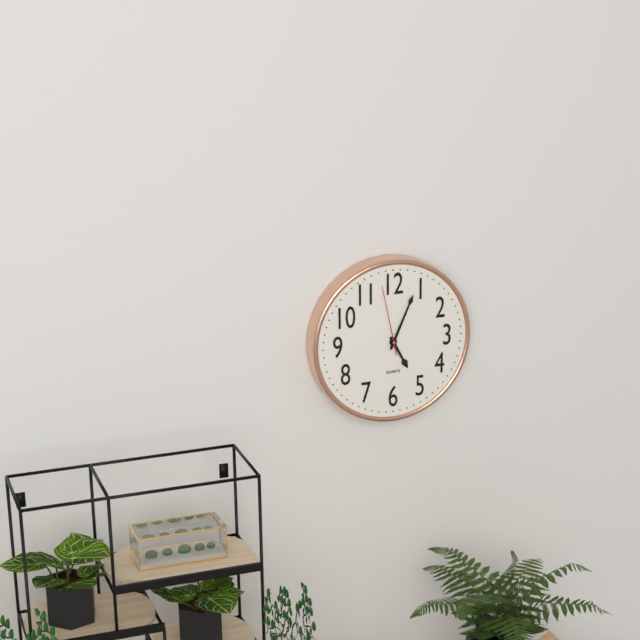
5:04:58
